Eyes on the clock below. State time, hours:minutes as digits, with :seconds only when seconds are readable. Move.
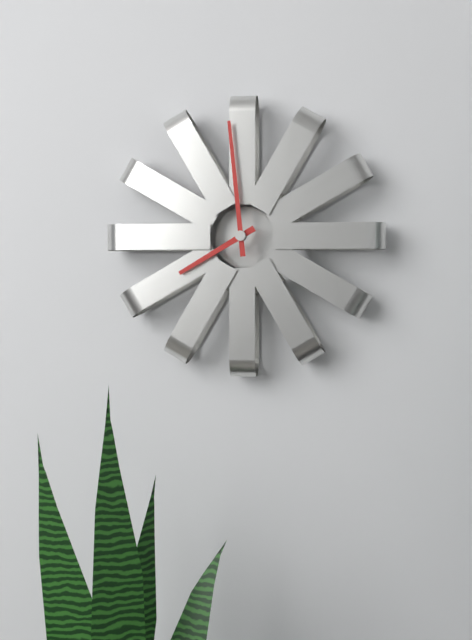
7:59
